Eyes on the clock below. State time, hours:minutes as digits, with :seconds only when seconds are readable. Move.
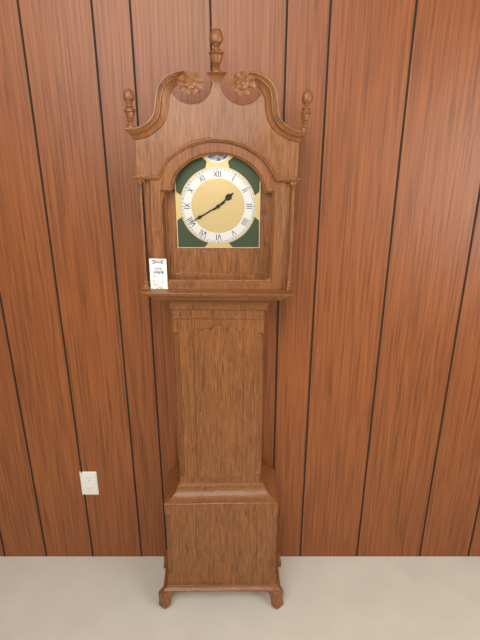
1:40
